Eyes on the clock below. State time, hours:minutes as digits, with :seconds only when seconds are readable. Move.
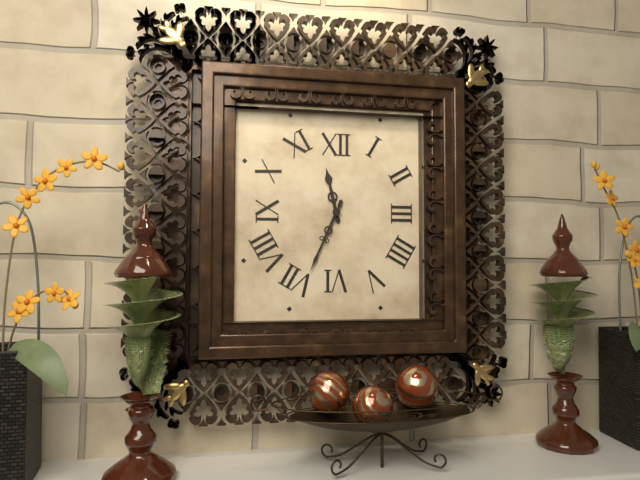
11:34
